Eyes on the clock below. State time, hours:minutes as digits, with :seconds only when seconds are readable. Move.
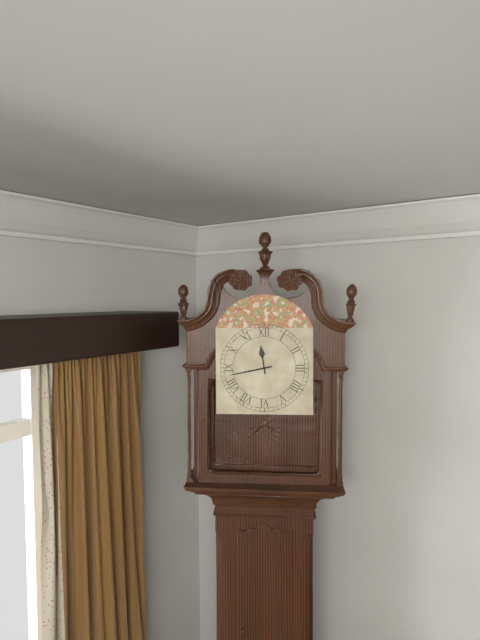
11:43
